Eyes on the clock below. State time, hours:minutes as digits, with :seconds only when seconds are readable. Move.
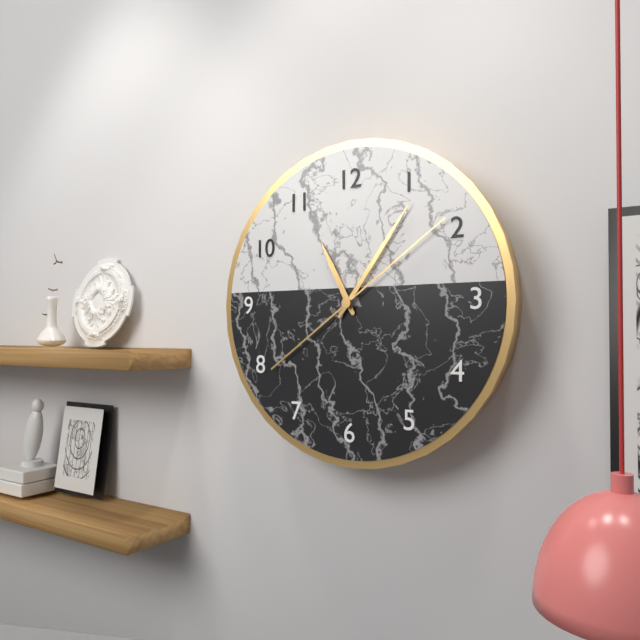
11:06:09
